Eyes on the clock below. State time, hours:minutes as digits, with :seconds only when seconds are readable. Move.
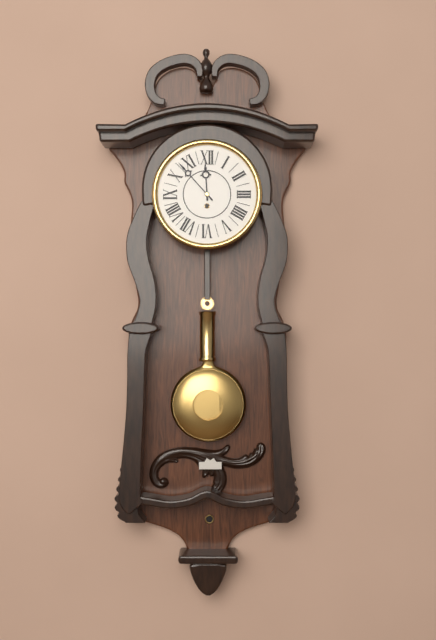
11:53
